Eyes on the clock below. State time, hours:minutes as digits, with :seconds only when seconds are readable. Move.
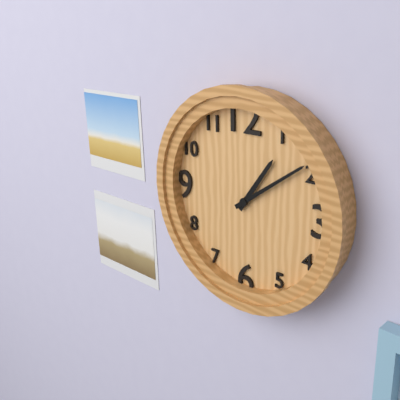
1:09
